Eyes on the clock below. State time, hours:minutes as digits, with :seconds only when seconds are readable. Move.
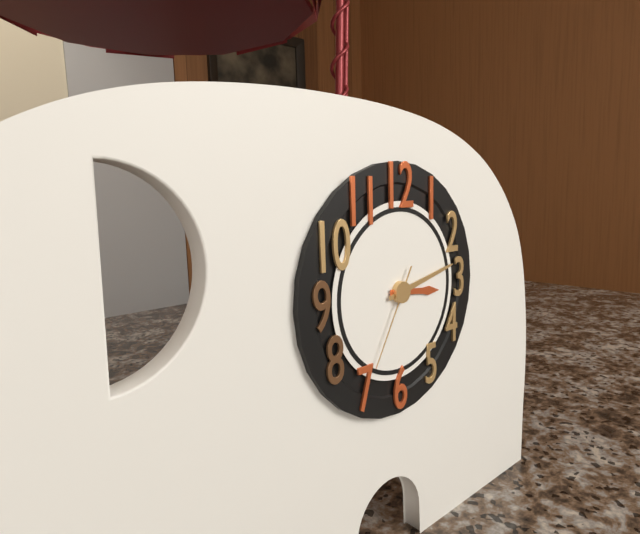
3:13:35
